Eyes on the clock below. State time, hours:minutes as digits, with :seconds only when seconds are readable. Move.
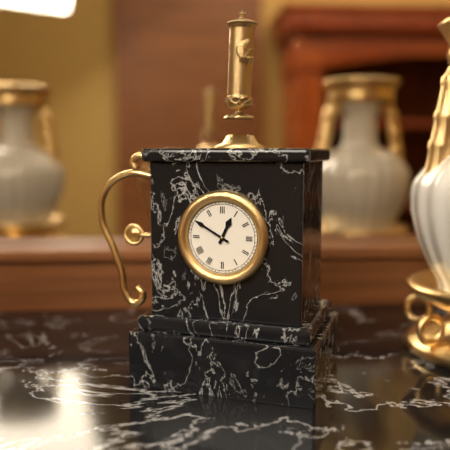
12:50
